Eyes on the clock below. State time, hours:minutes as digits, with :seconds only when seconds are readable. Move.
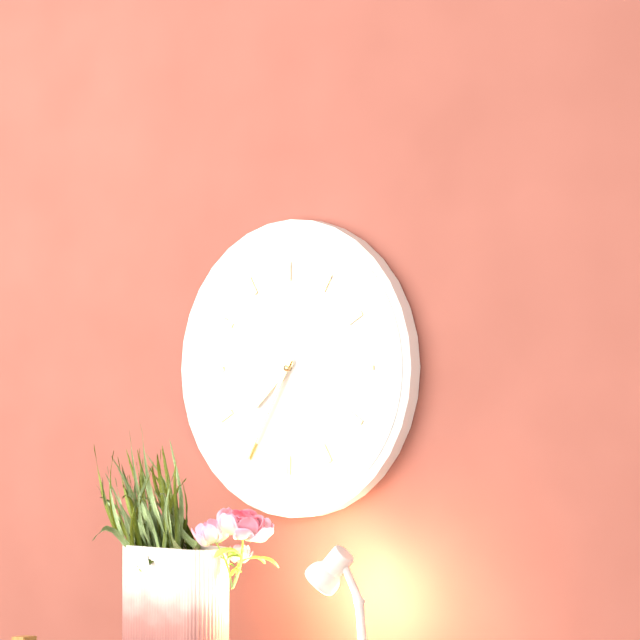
7:35
